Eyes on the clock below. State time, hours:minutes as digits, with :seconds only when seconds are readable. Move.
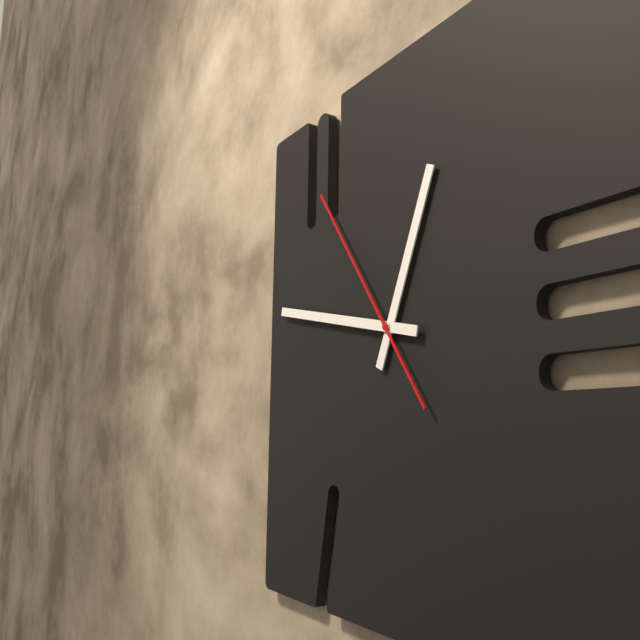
12:47:54
